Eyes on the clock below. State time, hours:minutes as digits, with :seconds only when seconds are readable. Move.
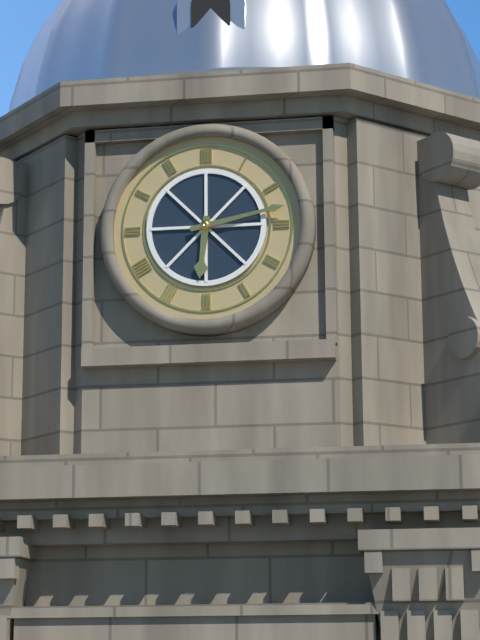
6:13
